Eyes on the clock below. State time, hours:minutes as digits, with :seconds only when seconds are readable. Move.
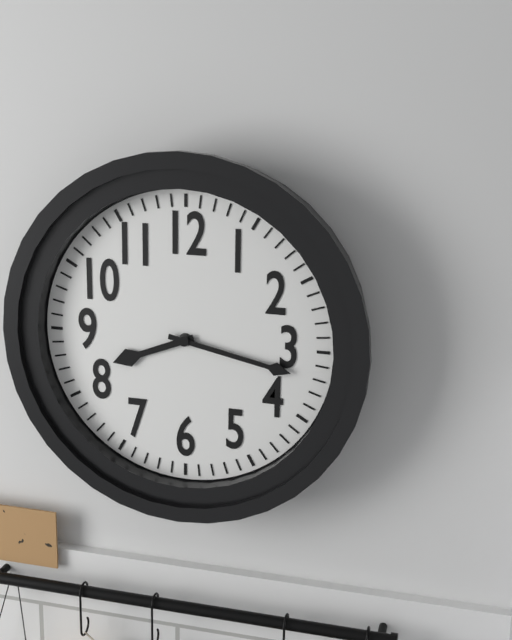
8:17
